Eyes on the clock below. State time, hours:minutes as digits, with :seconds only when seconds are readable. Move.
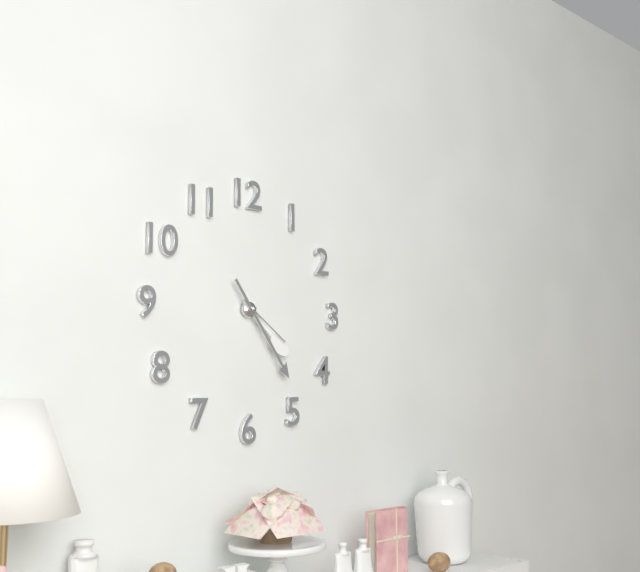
4:24:21
